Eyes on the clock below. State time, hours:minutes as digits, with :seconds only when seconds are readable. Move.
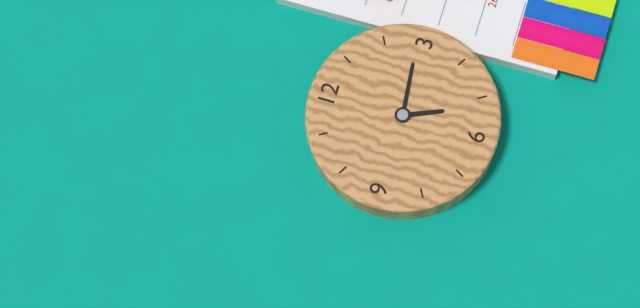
5:14
